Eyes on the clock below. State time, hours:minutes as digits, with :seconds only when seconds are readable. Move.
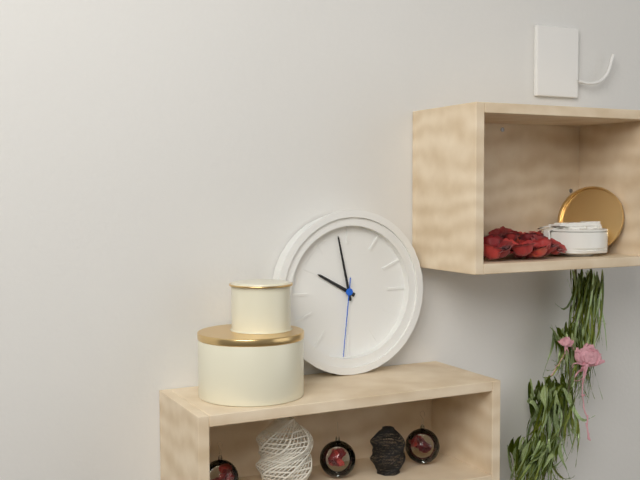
9:58:31
